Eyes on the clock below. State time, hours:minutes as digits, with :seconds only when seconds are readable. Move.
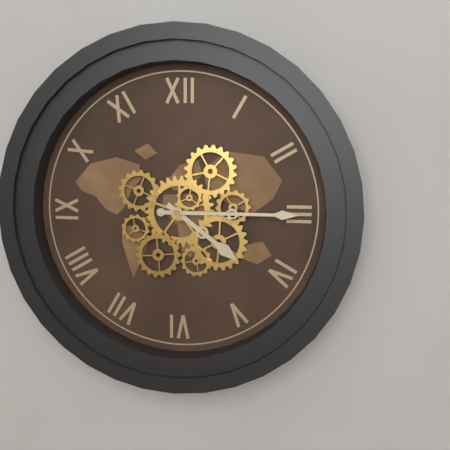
4:15
